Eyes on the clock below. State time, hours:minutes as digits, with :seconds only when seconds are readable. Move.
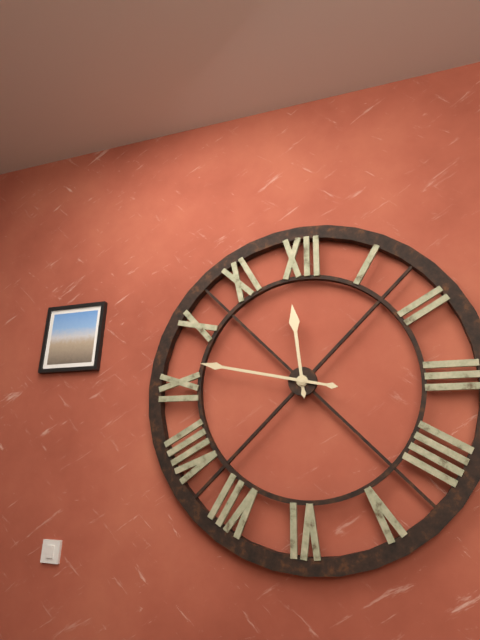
11:47
